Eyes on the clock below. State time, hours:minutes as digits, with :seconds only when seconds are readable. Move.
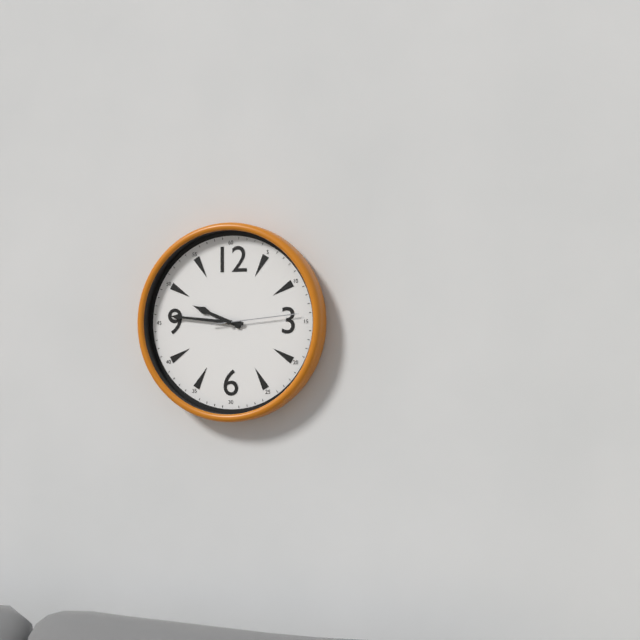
9:46:14
